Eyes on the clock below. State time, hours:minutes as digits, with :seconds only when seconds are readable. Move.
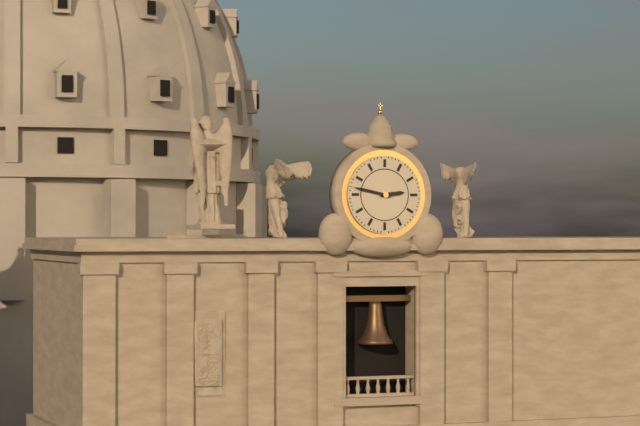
2:47
